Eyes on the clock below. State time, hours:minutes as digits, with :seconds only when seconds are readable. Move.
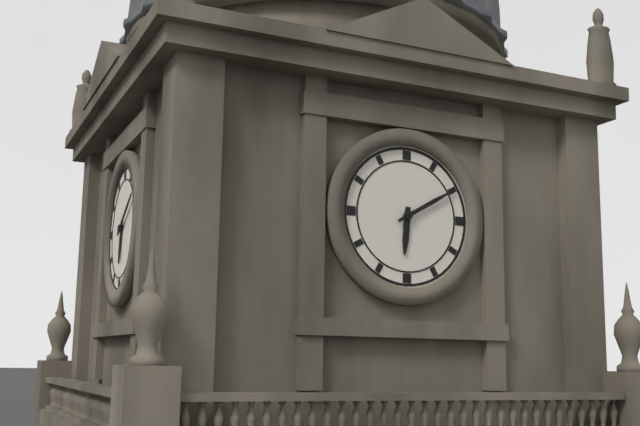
6:10
